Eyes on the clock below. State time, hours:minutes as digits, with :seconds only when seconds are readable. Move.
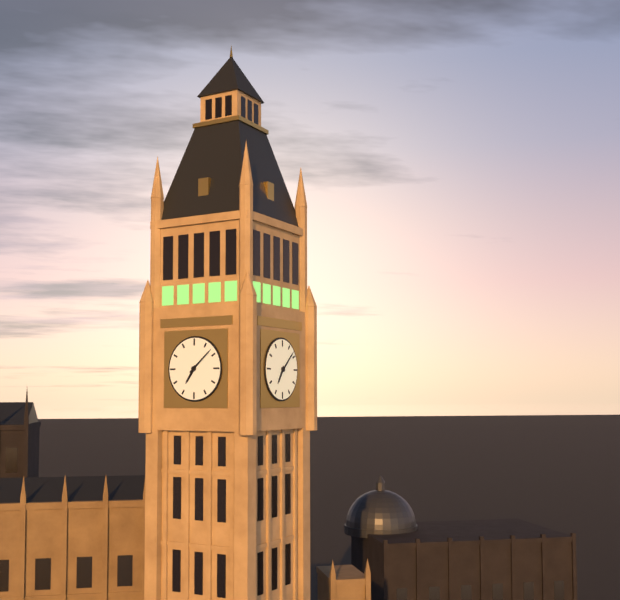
7:08
